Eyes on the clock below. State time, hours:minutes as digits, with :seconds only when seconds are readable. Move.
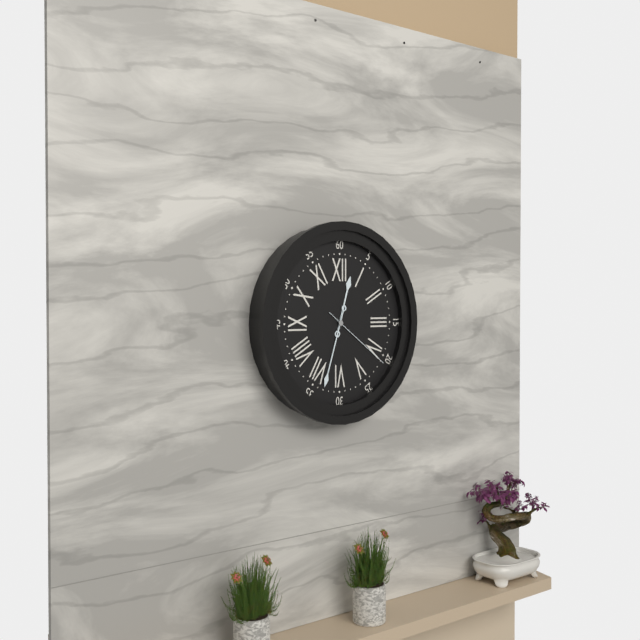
12:33:21
